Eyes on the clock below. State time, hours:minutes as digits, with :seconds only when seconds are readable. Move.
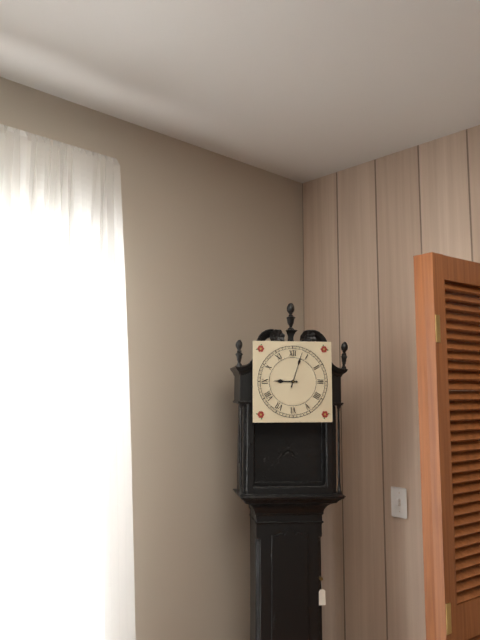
9:03
